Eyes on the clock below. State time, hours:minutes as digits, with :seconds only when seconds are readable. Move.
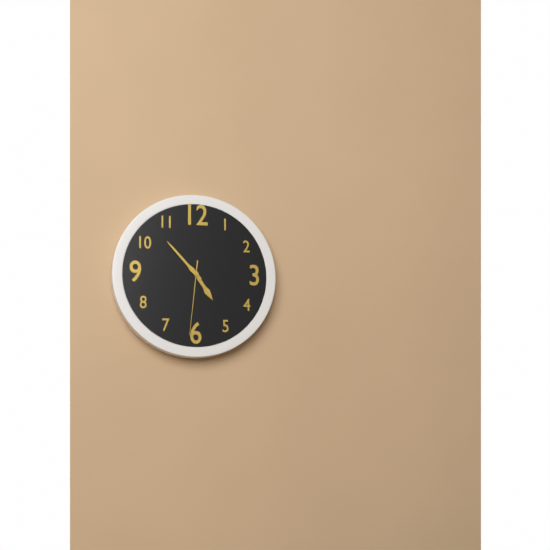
4:53:31
